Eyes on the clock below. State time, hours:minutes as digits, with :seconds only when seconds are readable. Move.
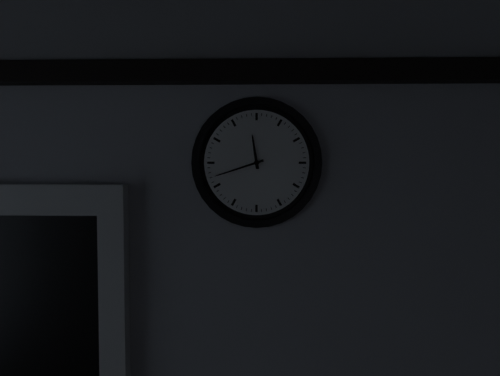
11:42
